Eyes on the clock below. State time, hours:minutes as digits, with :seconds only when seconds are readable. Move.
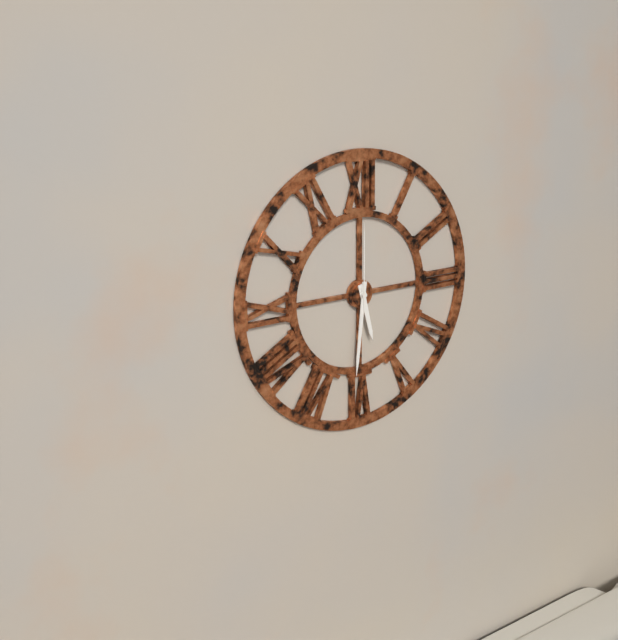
5:31:00
